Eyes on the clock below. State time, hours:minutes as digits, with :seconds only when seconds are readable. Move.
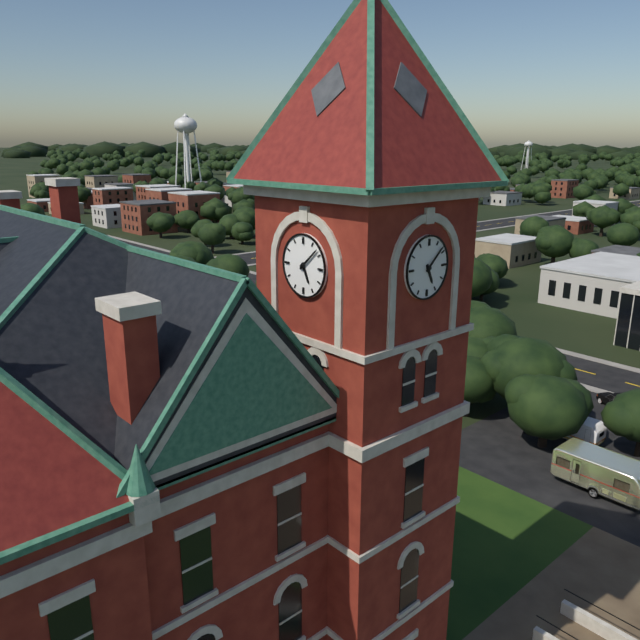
5:08
